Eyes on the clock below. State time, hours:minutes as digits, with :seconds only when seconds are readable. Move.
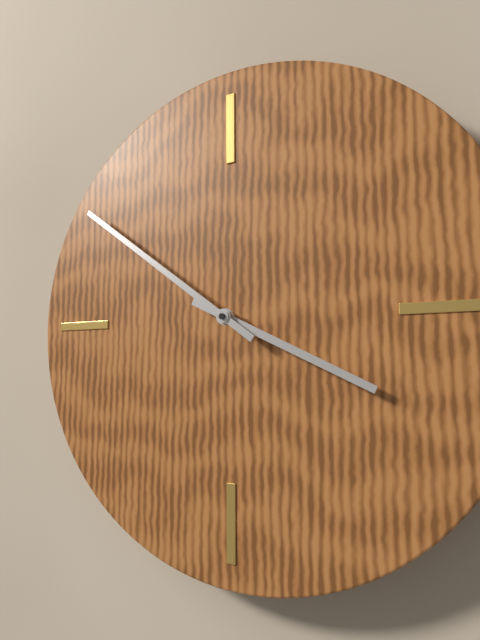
3:51
